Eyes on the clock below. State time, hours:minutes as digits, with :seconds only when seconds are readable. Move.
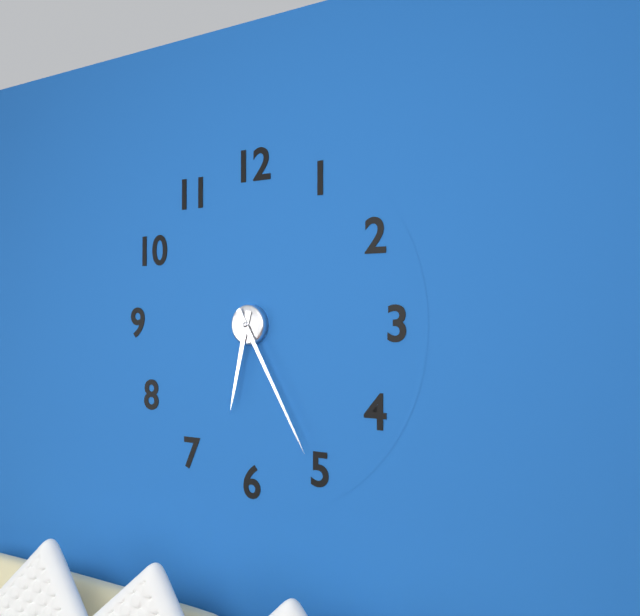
6:25
